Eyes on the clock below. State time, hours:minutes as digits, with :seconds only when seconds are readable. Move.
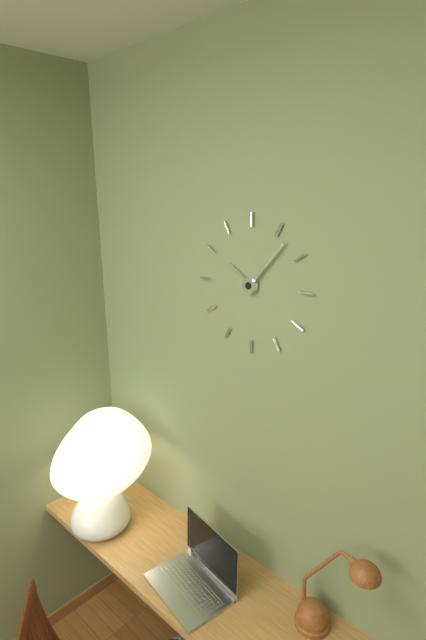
10:07
